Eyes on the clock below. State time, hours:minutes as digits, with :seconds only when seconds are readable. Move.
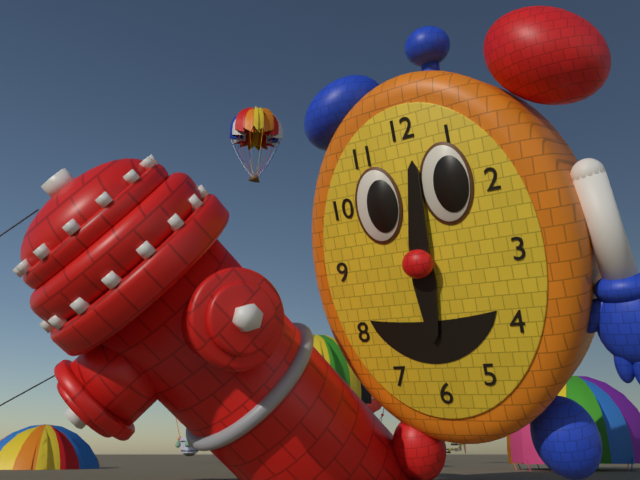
6:01
